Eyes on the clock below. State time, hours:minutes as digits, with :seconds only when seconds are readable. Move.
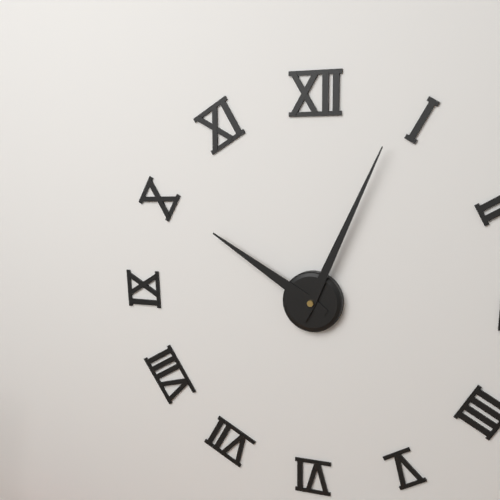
10:04
